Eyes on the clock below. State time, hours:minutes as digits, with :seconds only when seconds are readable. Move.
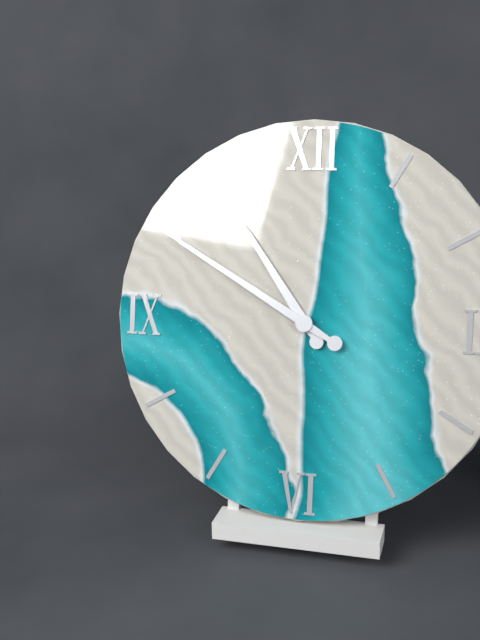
10:50
